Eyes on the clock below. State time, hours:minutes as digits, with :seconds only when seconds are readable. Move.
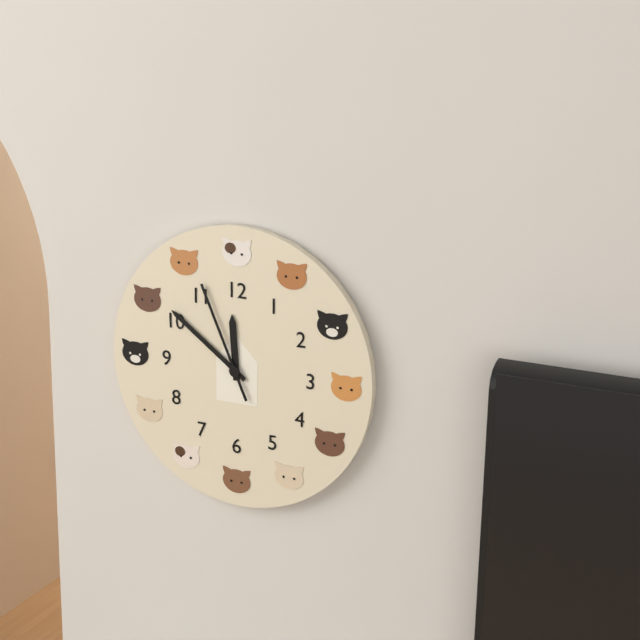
11:51:56
